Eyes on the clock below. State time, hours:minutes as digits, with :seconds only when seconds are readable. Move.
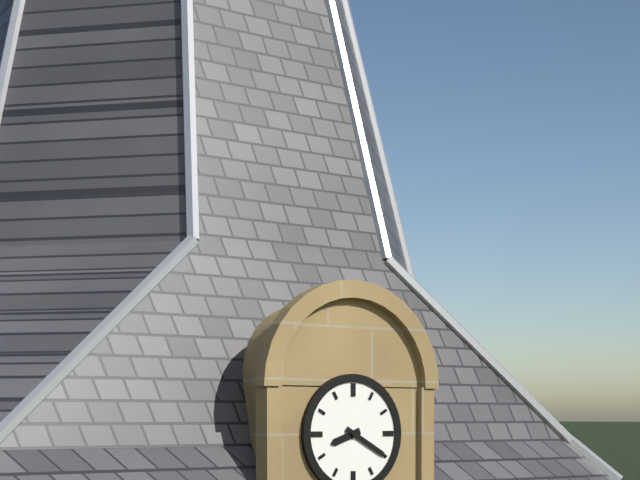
8:20
